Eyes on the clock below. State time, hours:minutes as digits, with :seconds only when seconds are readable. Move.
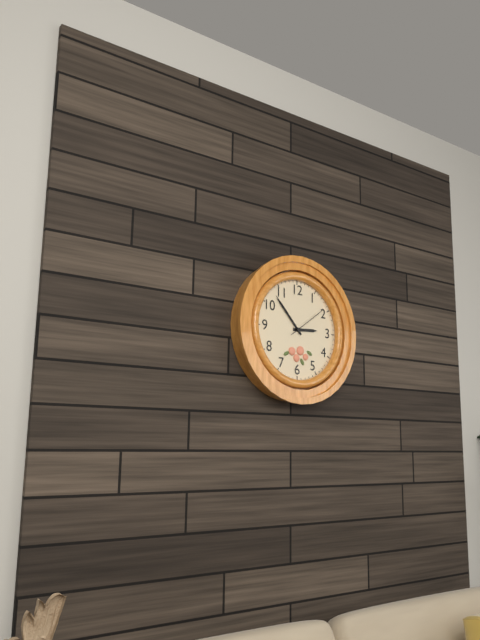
2:53
